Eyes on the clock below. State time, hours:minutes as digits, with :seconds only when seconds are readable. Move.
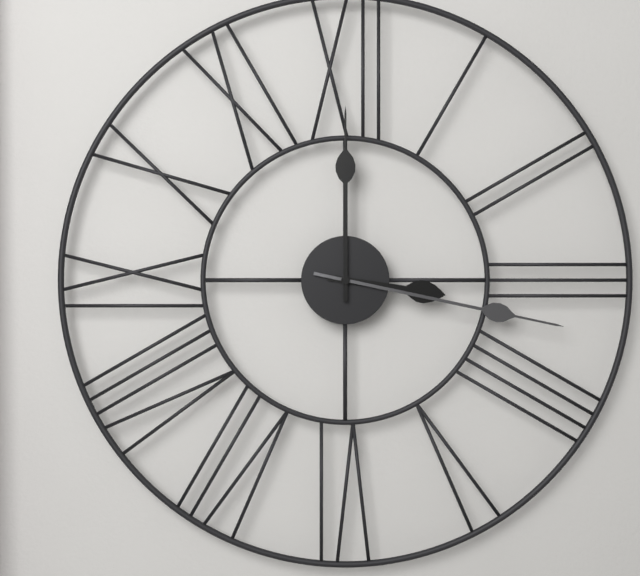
3:17:00
